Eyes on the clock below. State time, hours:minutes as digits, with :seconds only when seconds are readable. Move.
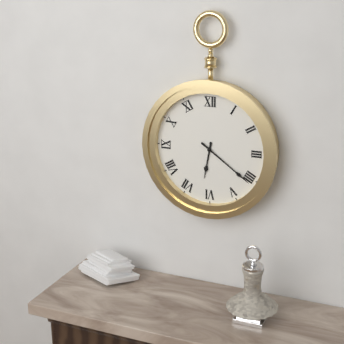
6:21
